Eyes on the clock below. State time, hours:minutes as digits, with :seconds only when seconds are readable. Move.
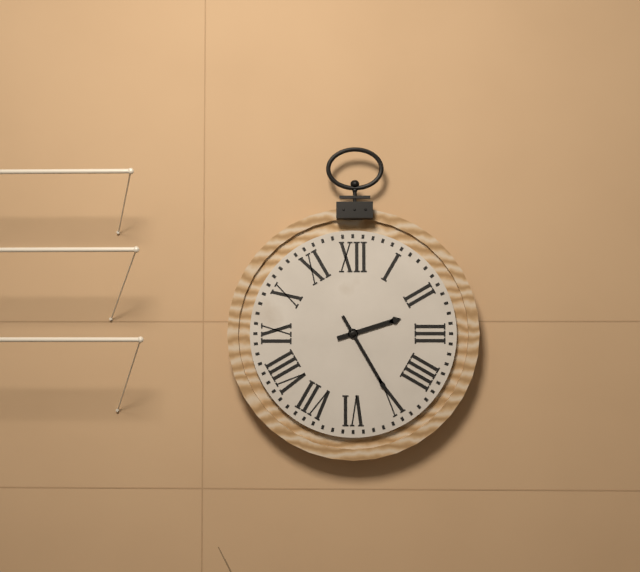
2:25
